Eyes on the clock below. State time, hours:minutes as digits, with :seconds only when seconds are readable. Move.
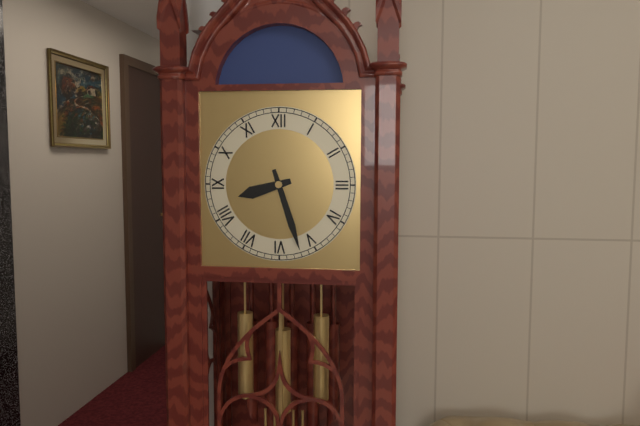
8:27
